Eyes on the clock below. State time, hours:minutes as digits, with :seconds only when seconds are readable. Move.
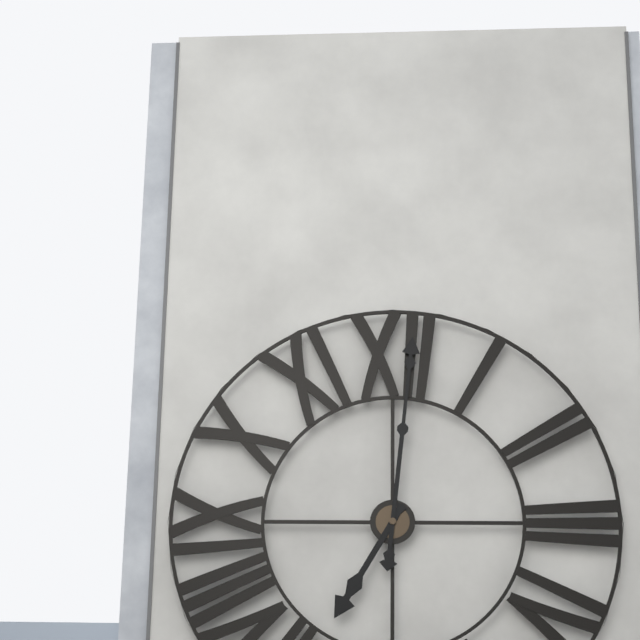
7:01
